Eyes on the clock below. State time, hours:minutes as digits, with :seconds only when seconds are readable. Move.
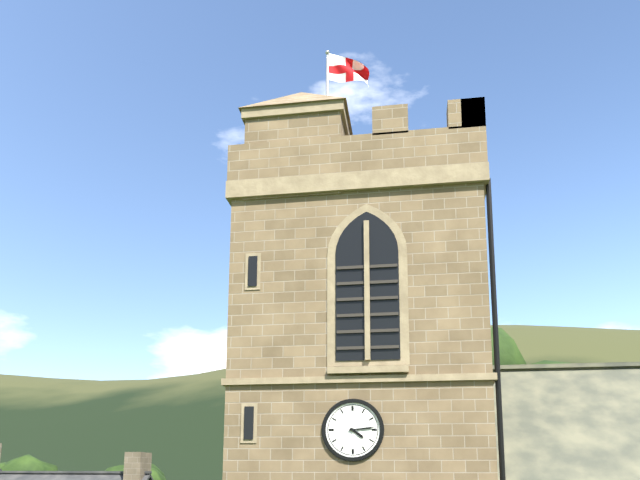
4:14
